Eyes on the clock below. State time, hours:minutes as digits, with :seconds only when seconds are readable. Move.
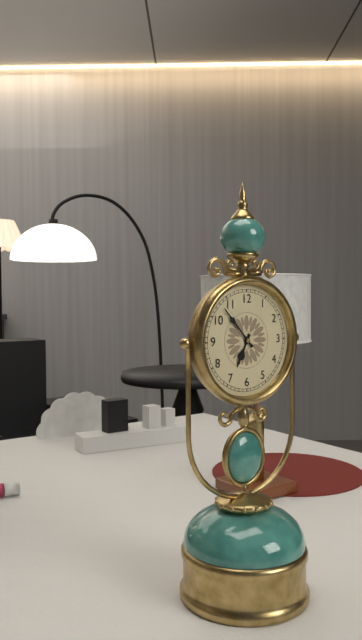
6:53
